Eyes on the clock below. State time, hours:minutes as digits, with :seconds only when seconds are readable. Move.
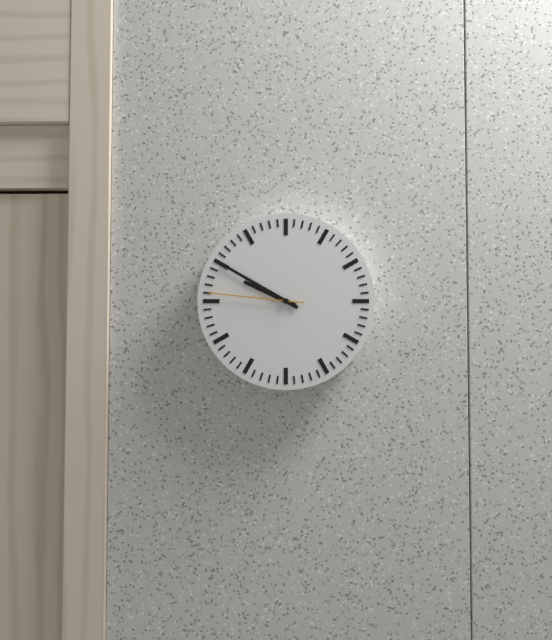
9:50:46
